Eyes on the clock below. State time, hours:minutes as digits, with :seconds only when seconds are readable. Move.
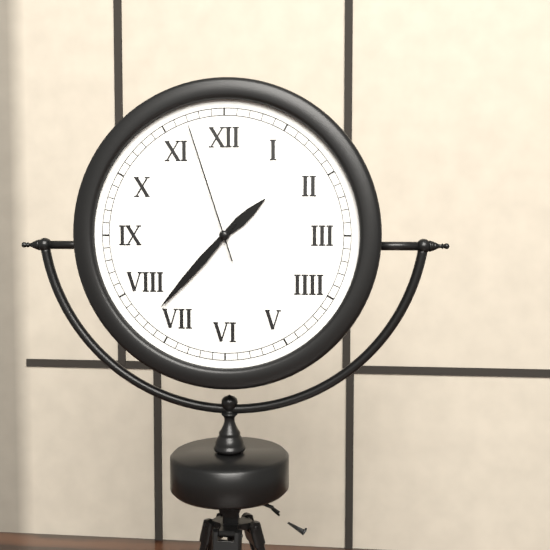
1:37:57
